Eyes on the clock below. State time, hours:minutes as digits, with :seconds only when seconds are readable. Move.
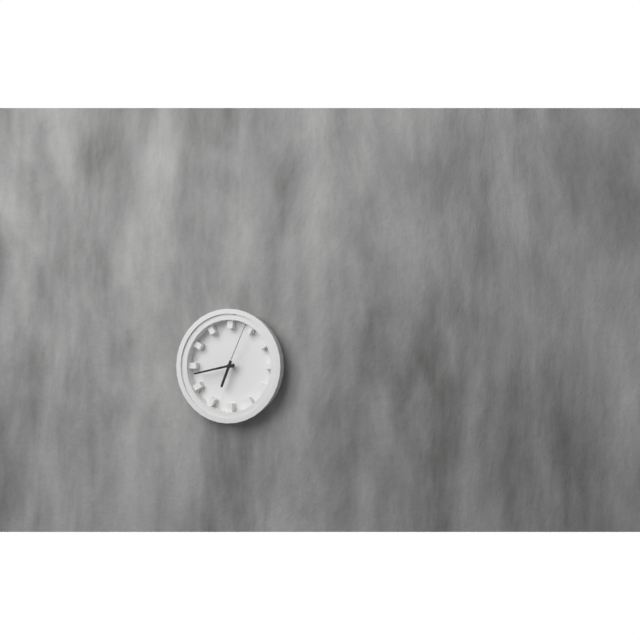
6:43:04
